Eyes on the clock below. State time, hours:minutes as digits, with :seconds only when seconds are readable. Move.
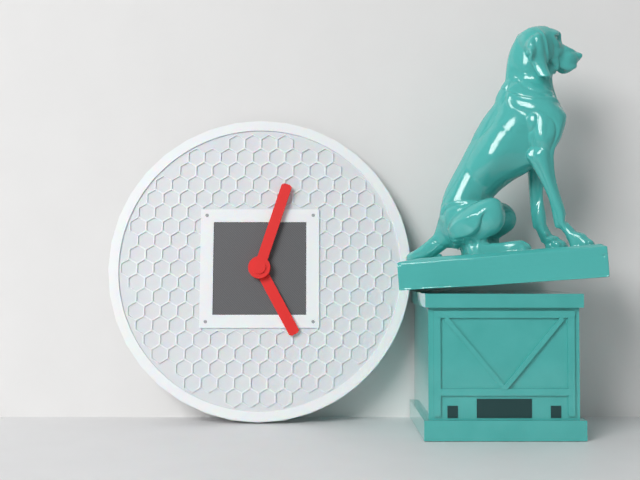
5:03
